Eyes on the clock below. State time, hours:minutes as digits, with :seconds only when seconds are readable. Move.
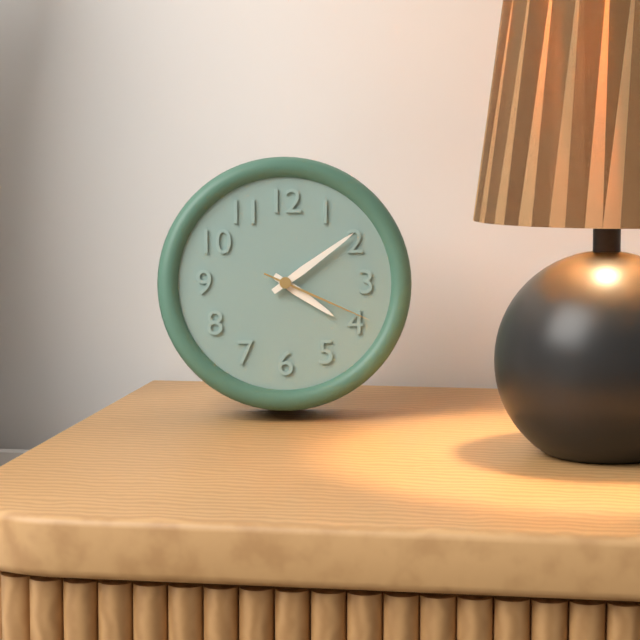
4:09:19
